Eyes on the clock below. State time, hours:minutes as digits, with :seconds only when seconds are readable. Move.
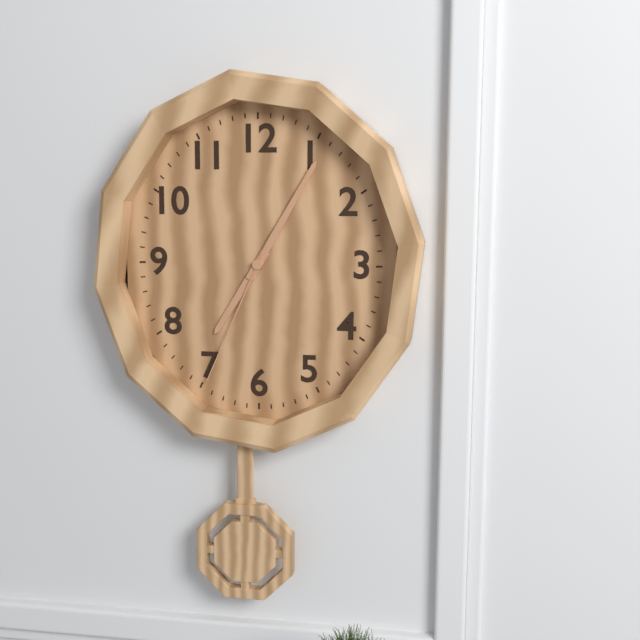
7:05:34
